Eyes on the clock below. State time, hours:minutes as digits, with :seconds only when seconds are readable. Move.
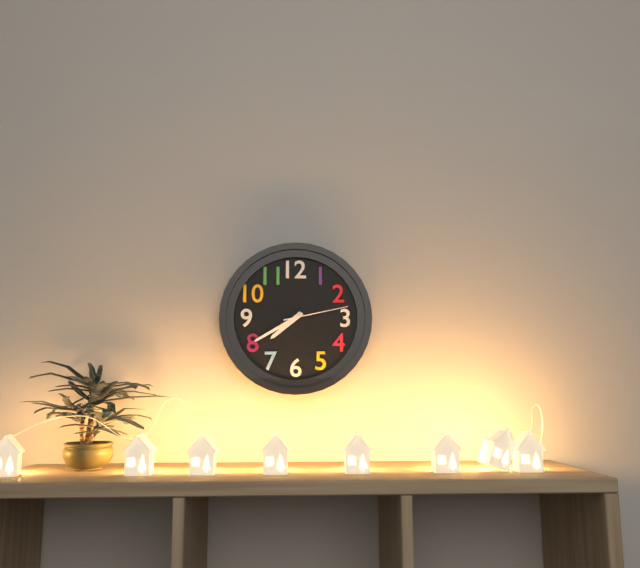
7:40:13
